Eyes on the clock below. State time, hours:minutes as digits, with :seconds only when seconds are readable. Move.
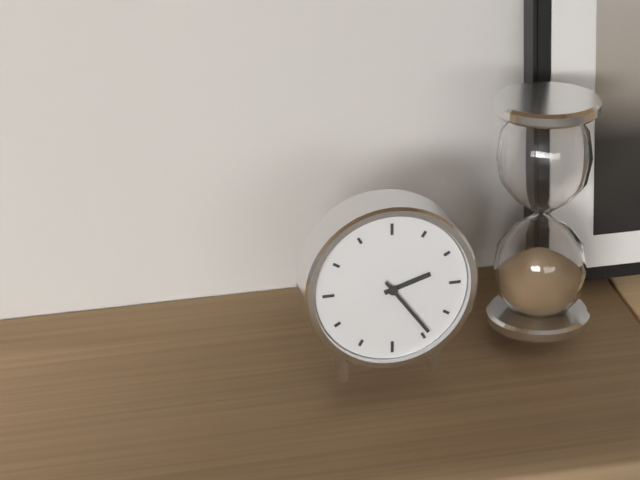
2:24
